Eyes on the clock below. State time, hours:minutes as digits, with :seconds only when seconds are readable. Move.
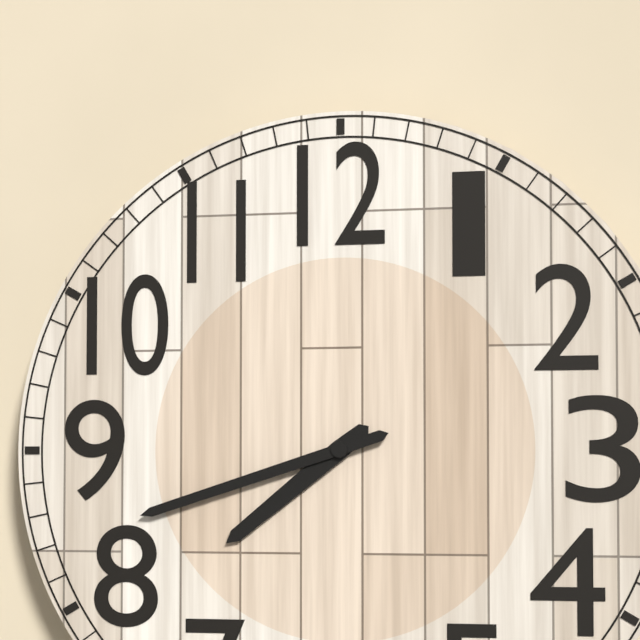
7:42
